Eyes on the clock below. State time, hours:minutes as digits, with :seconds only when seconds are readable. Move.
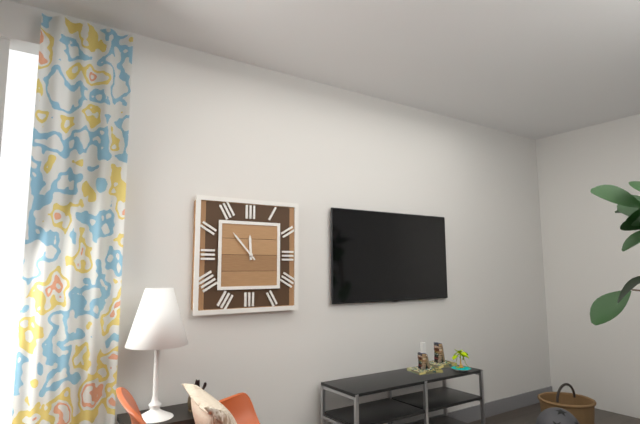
11:53
